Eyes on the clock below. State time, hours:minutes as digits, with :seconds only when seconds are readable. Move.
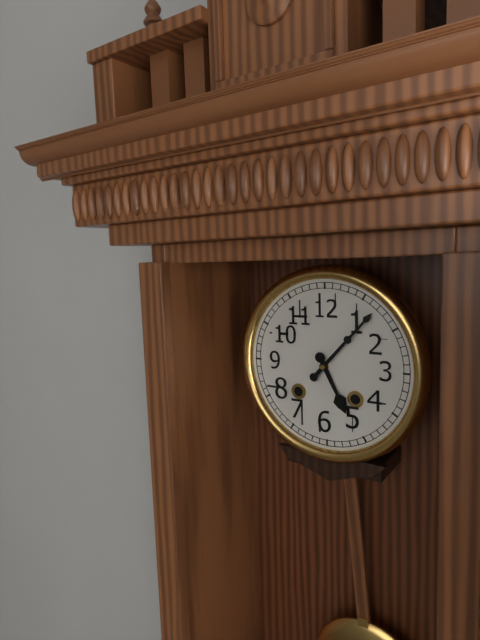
5:07
